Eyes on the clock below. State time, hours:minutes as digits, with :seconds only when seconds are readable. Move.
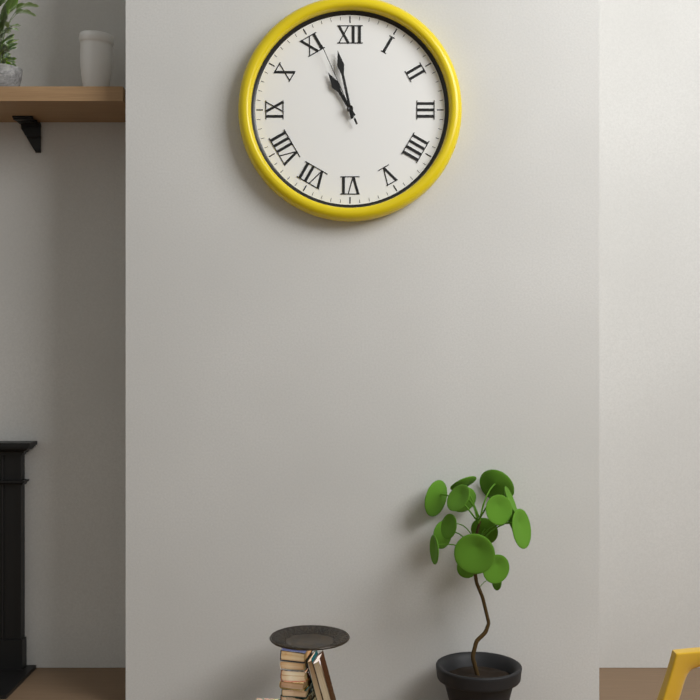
10:58:56
